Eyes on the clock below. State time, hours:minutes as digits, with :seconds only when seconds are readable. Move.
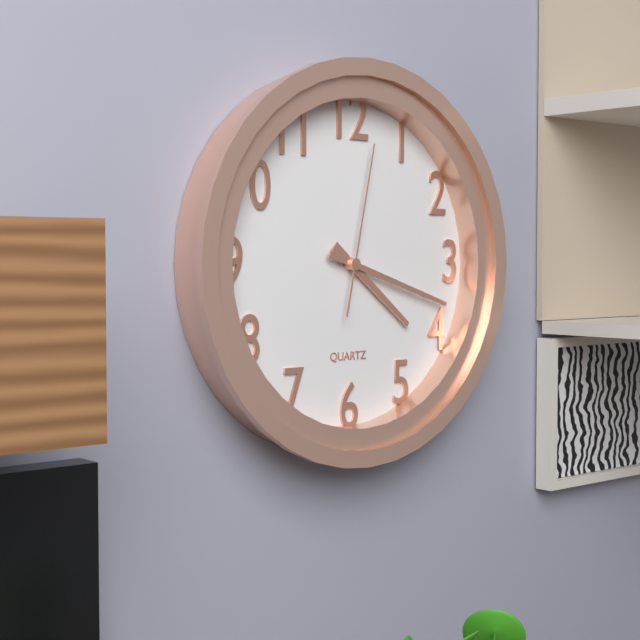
4:18:02
